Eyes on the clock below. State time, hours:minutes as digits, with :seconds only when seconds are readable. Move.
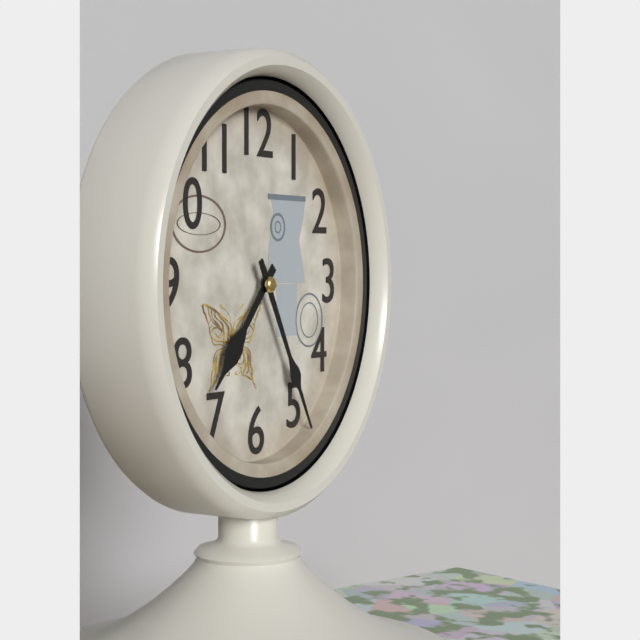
7:25
